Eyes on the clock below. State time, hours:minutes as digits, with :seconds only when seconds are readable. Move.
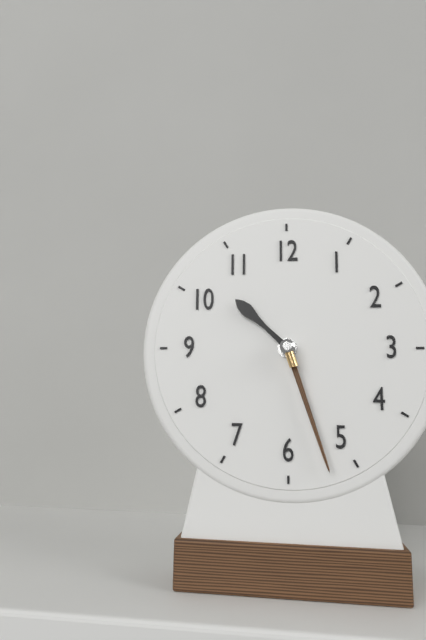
10:27
